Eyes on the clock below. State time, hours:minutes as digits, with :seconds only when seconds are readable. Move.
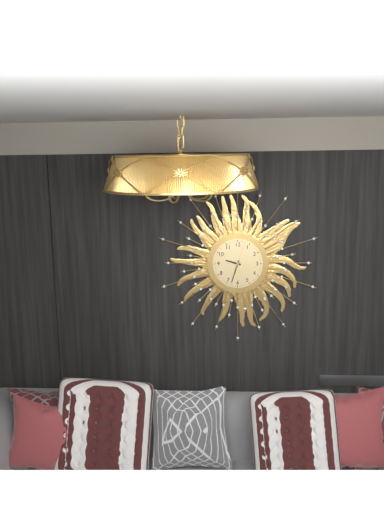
9:33
